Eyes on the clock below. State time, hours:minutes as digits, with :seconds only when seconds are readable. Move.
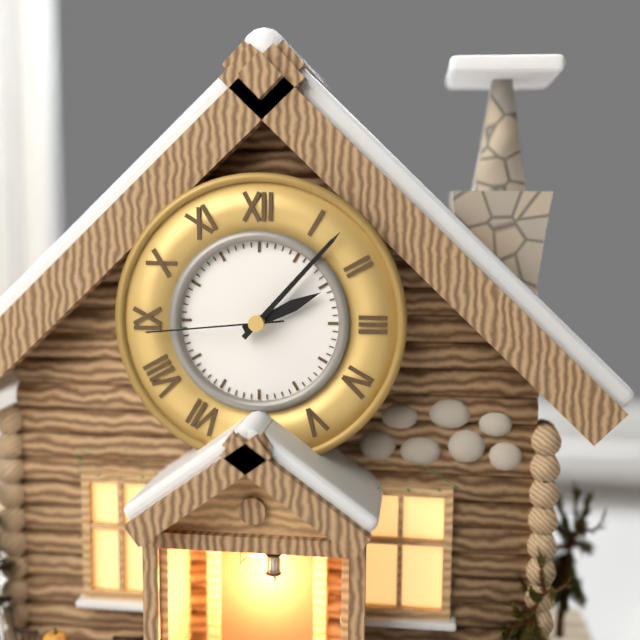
2:07:44
